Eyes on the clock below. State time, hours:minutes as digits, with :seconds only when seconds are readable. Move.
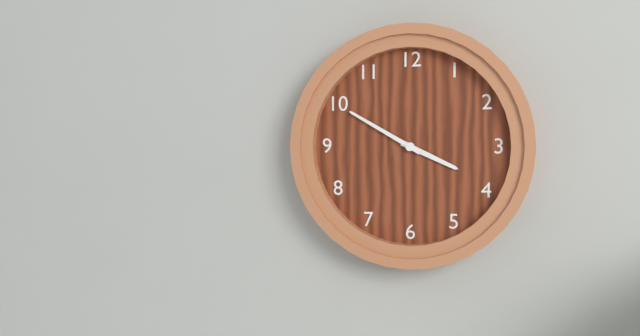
3:50
